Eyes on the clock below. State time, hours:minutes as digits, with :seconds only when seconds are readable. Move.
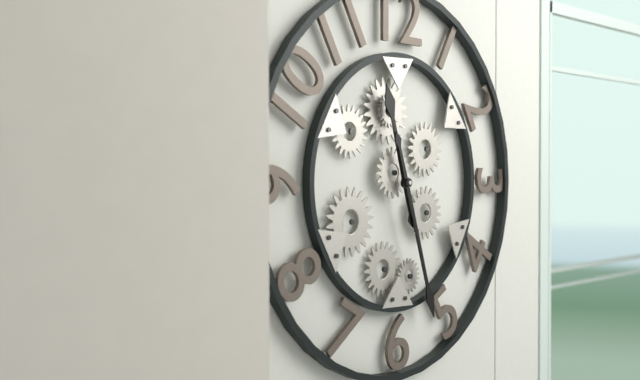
11:27
